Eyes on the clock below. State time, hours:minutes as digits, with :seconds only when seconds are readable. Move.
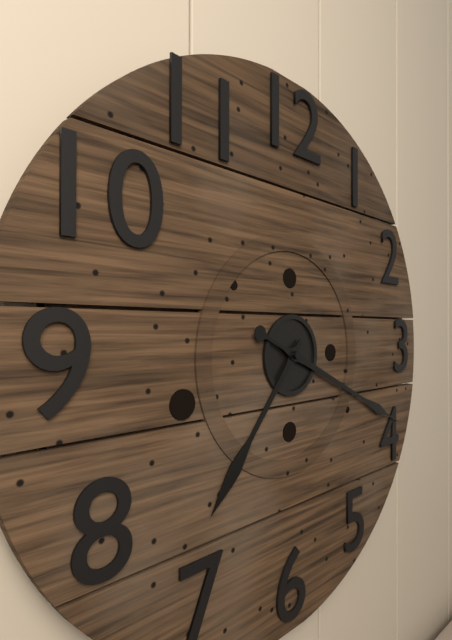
7:19
